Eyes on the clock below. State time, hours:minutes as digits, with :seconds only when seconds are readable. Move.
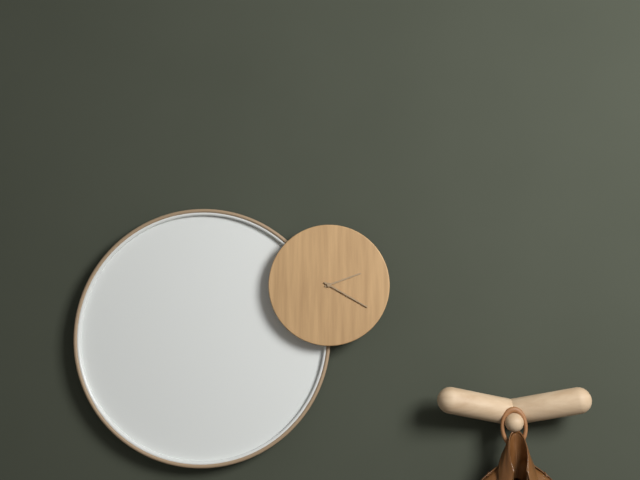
2:20
